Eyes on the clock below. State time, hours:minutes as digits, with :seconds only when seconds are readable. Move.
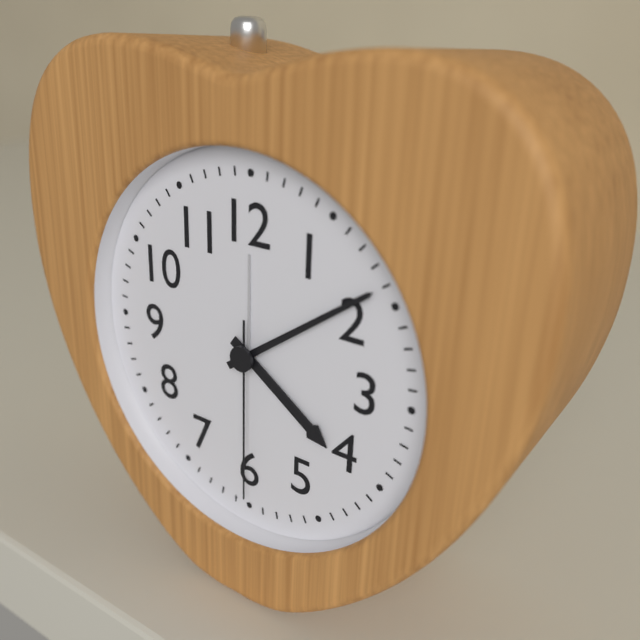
4:09:30
